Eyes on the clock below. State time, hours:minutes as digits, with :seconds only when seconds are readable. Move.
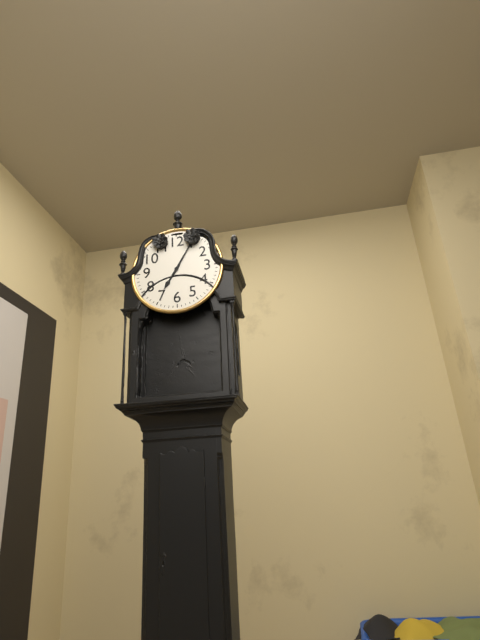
7:05
